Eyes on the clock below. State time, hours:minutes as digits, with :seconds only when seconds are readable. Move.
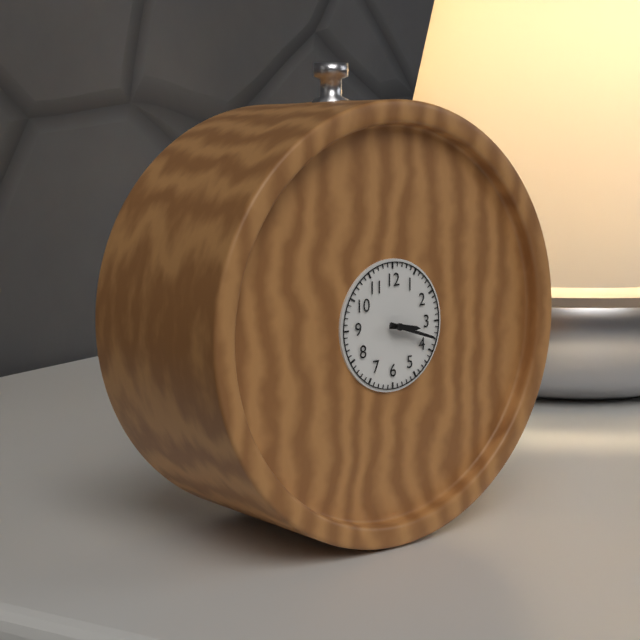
3:18
